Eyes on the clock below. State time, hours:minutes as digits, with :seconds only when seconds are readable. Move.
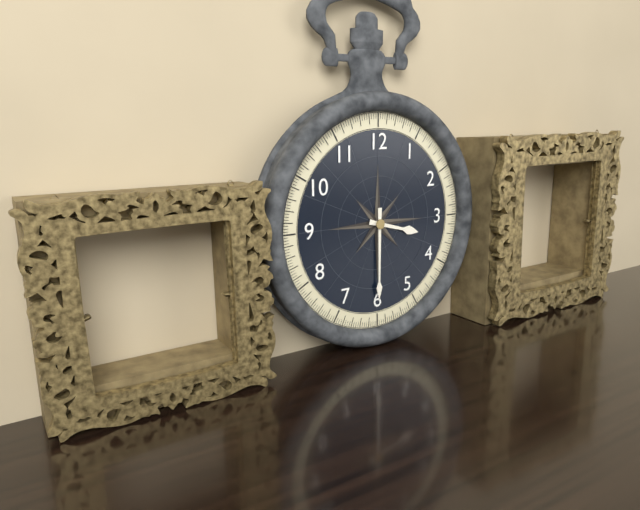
3:30
